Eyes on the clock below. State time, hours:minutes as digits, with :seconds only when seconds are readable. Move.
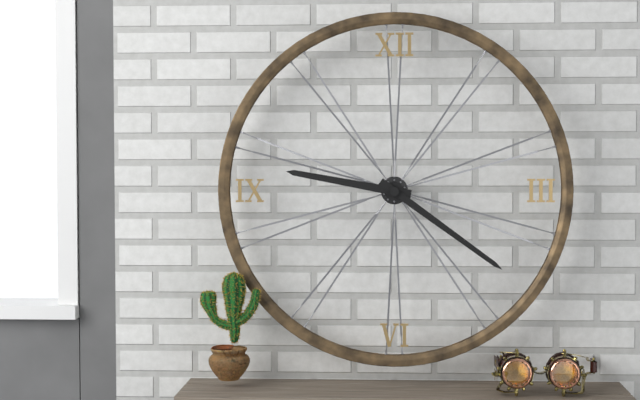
9:21
